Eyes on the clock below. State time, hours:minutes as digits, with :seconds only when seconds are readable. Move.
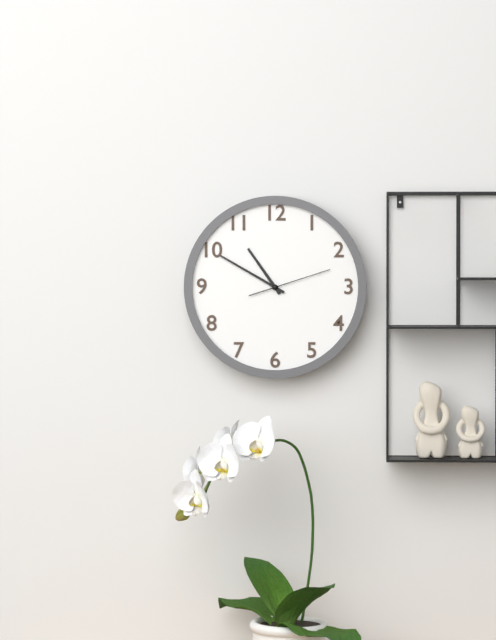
10:50:12
